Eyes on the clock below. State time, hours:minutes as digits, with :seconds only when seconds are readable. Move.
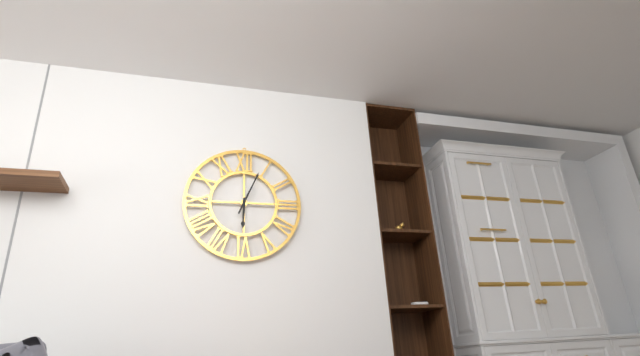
6:04
